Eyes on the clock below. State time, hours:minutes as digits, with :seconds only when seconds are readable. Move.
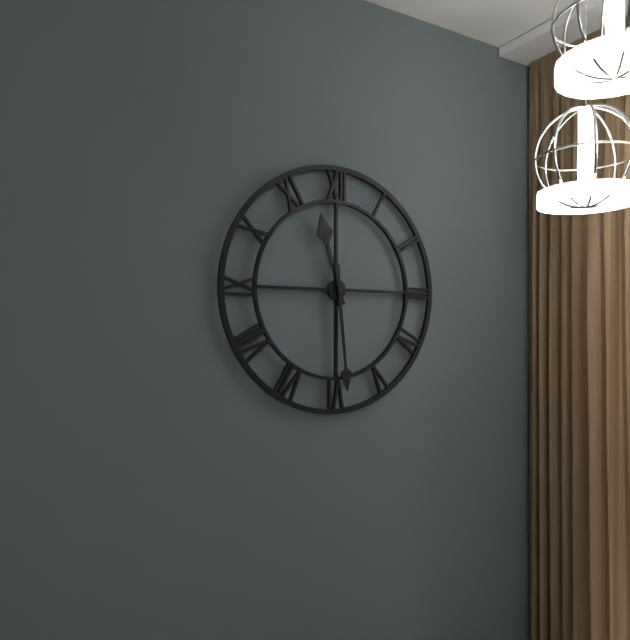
11:29
